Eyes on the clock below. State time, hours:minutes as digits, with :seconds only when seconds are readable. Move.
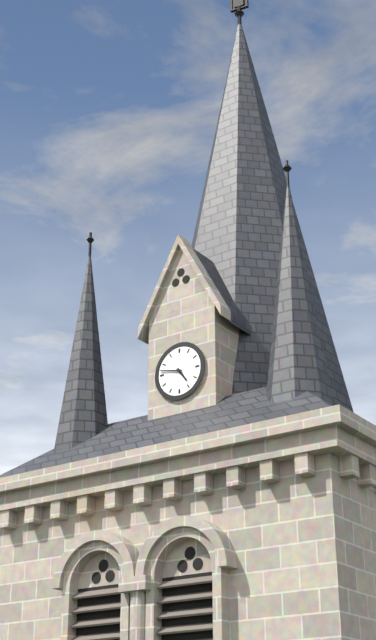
4:47
